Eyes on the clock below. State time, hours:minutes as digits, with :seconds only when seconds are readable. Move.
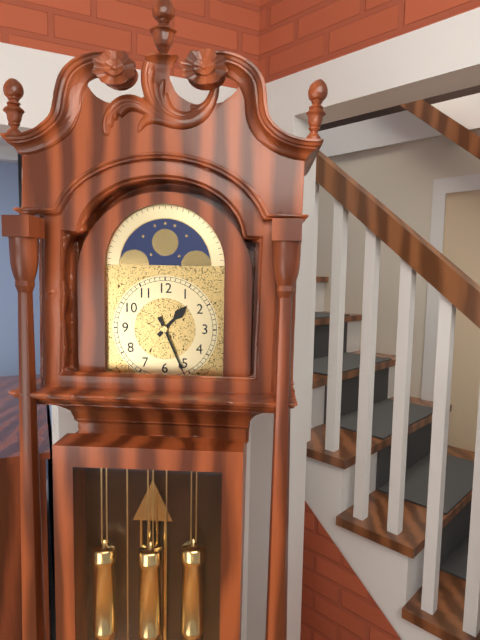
1:26
